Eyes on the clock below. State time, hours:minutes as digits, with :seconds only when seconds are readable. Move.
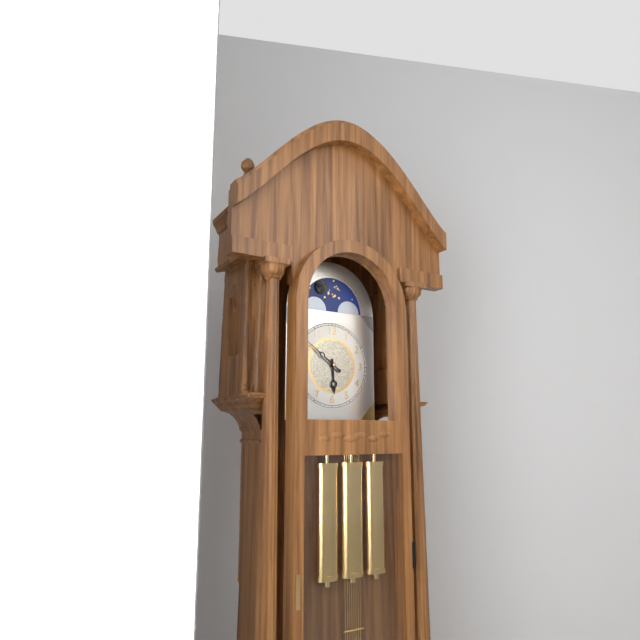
5:51
